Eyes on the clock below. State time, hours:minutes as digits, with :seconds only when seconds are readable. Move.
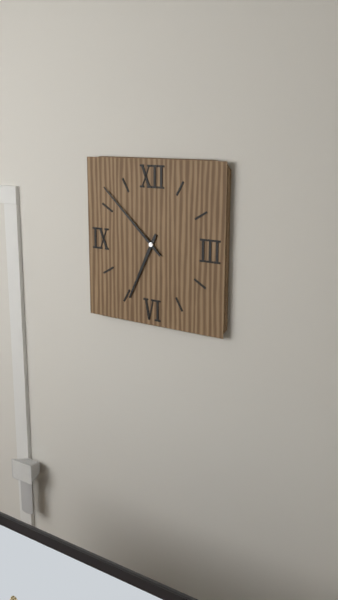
6:52
